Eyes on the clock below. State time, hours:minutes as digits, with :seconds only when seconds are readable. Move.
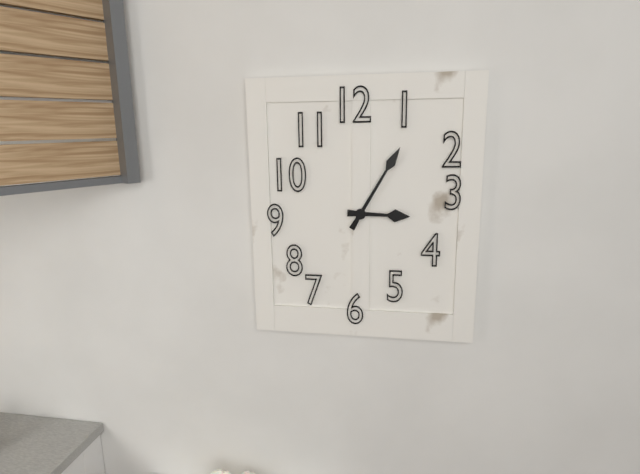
3:05
